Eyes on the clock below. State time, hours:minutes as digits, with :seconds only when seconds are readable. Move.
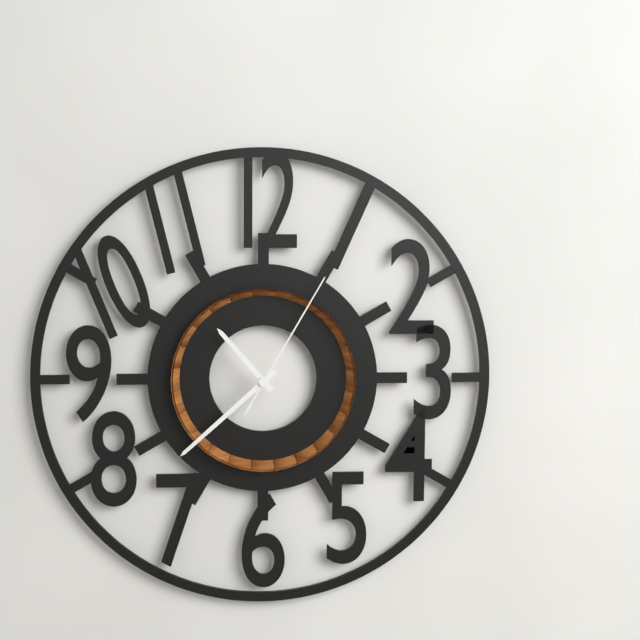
10:38:05
